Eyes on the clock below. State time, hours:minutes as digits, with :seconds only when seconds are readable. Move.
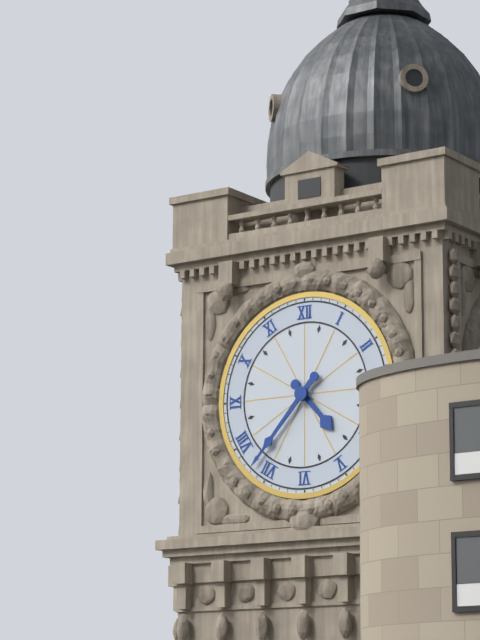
4:37
